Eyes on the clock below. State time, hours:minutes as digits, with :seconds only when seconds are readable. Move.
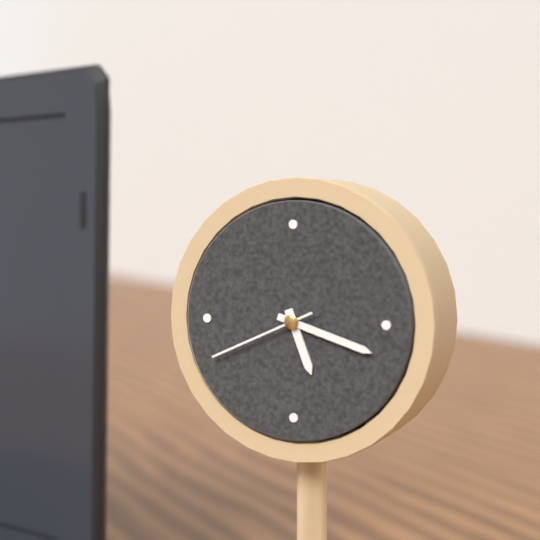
5:18:41
